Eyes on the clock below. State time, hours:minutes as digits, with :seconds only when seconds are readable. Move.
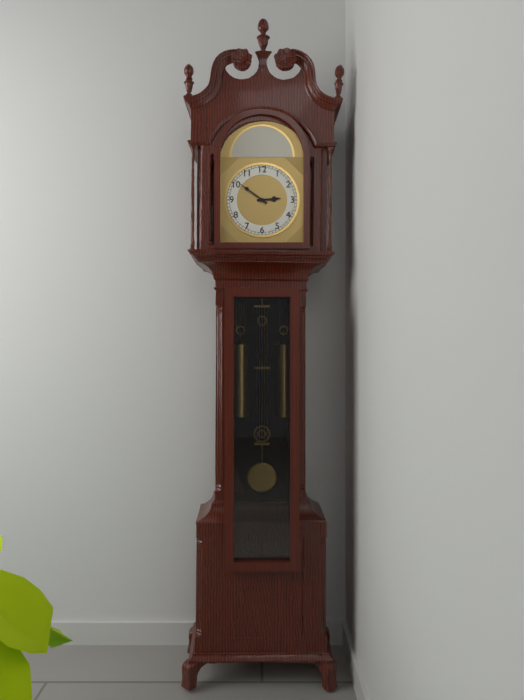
2:51
